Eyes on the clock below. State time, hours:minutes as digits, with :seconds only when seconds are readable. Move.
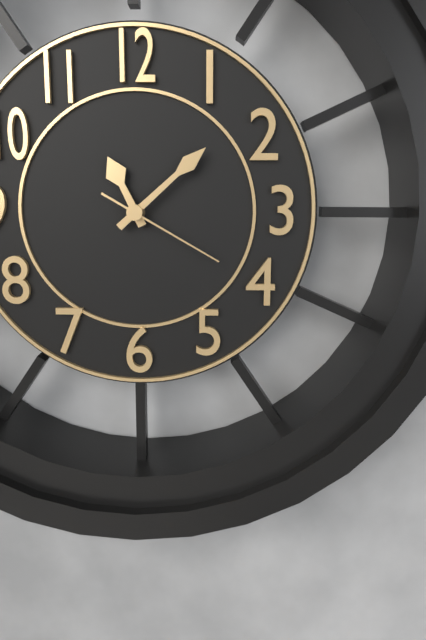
11:08:20
